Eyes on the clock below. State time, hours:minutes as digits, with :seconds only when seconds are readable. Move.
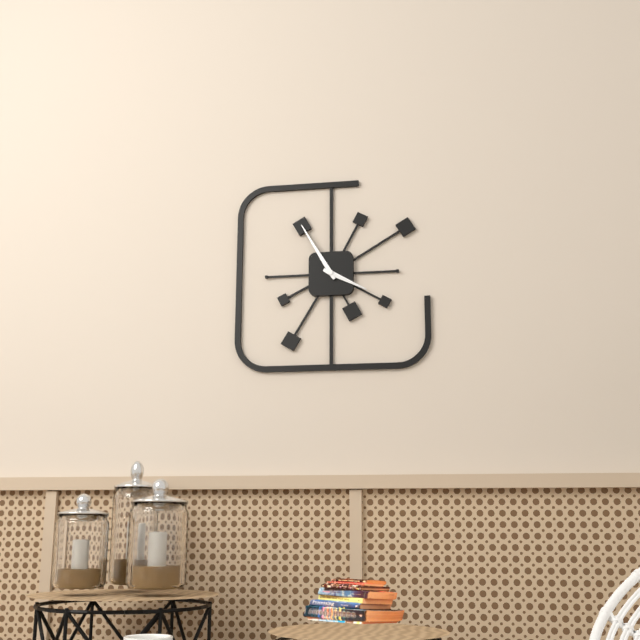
3:55
